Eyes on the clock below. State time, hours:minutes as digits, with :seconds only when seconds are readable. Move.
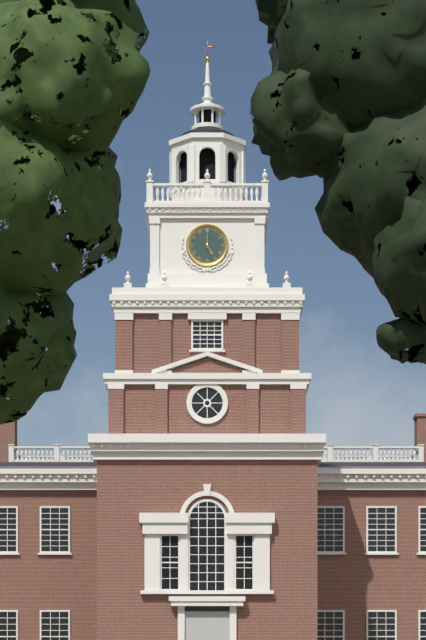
5:00
